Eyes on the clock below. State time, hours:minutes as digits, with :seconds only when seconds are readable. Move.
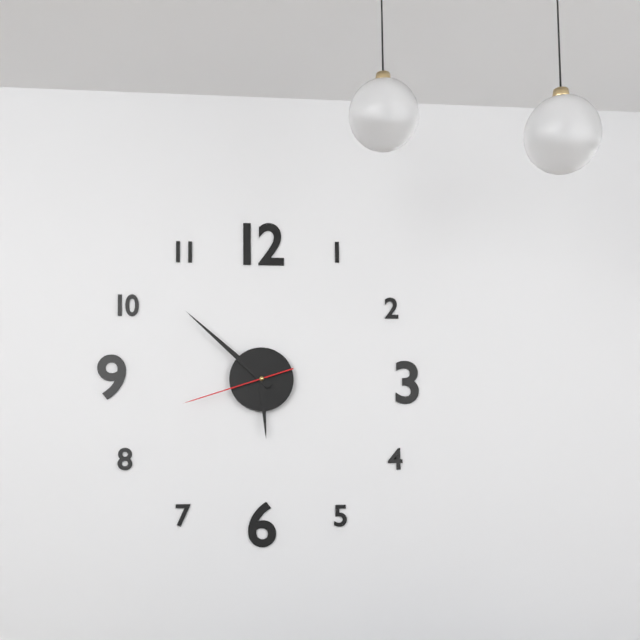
5:52:42
